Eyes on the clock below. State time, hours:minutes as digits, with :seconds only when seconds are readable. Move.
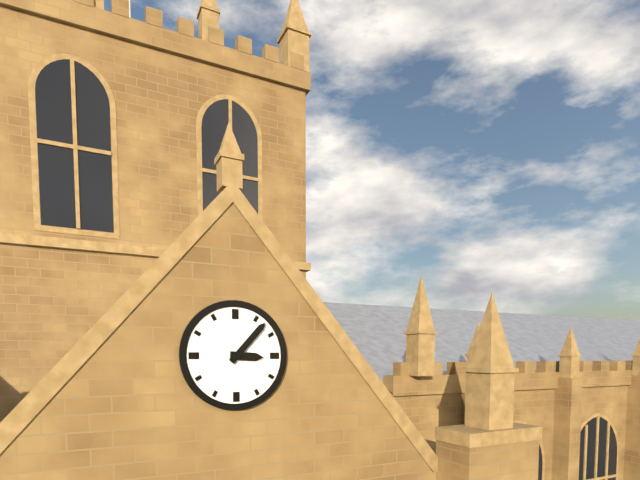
3:07
